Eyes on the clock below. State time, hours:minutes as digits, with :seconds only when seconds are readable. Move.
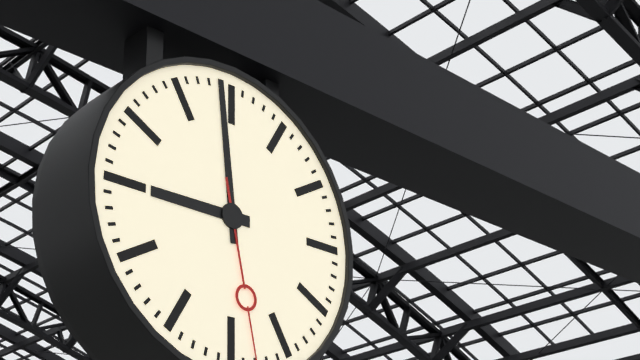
8:59
